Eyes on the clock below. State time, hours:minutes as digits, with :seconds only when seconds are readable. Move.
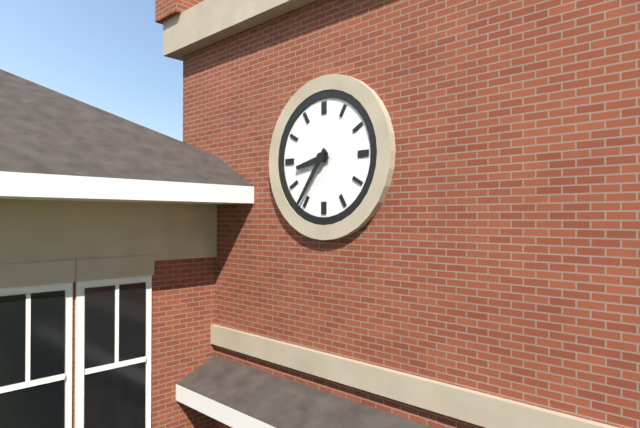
8:36
